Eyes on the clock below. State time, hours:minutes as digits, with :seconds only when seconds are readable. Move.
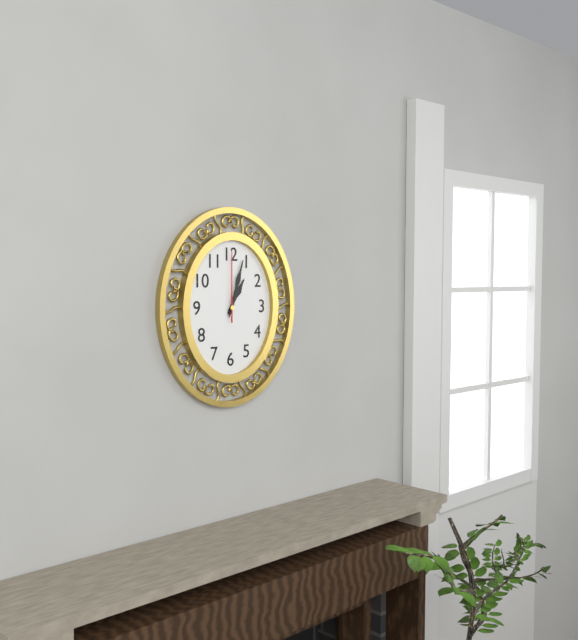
1:03:00
